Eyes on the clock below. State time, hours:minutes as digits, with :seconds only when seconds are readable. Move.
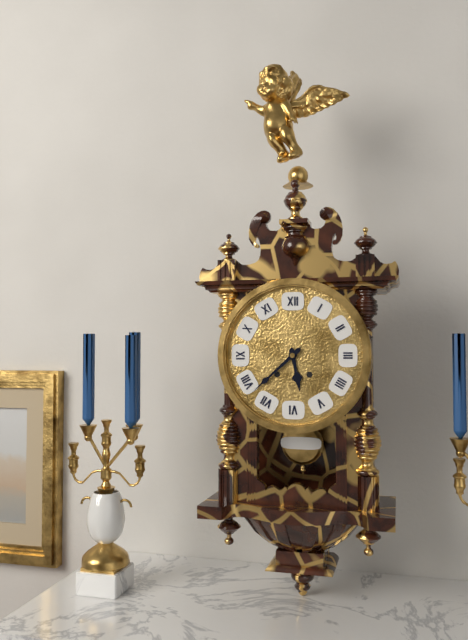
5:38
